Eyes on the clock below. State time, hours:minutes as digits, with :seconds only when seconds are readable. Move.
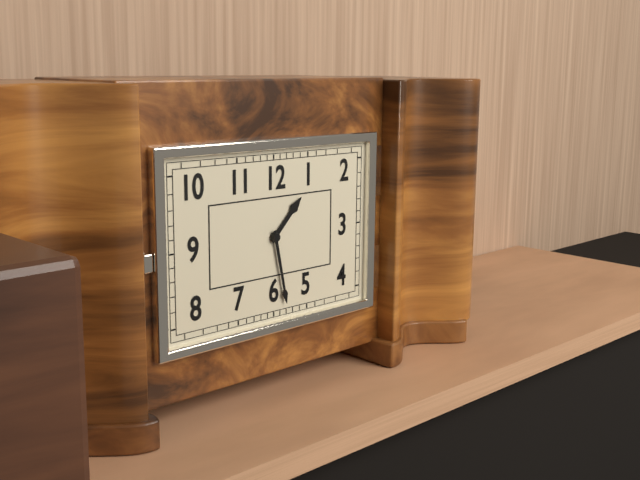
1:28
